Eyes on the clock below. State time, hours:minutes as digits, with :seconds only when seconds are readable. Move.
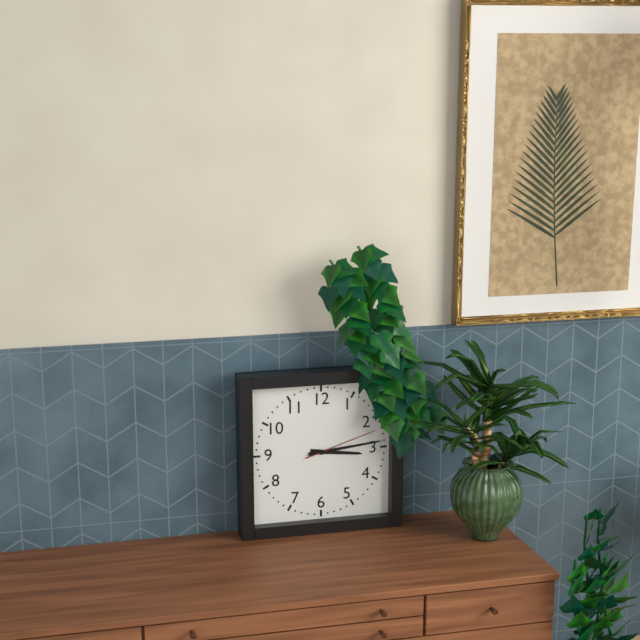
3:14:12
